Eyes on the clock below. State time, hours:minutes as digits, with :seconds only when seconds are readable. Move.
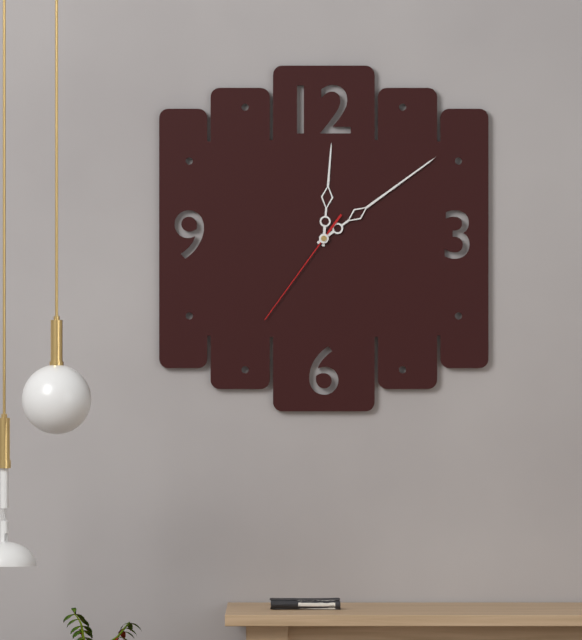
12:09:36
